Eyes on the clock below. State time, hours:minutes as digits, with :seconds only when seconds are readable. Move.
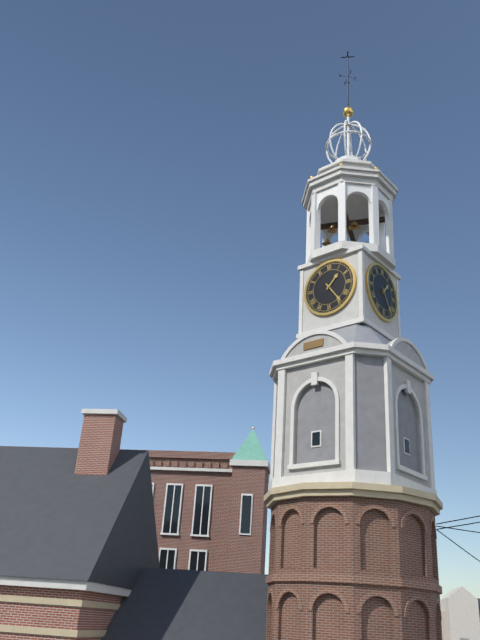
1:24
